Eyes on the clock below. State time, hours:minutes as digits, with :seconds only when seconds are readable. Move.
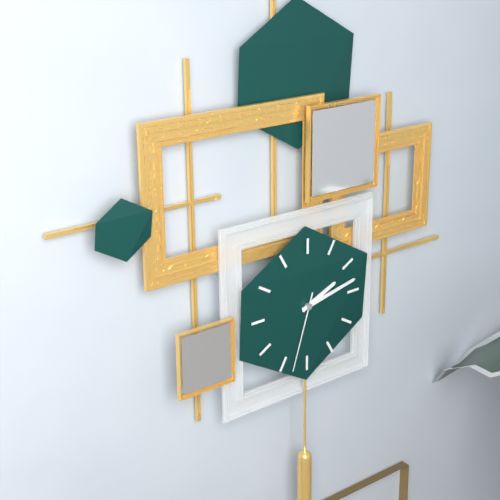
2:13:33
